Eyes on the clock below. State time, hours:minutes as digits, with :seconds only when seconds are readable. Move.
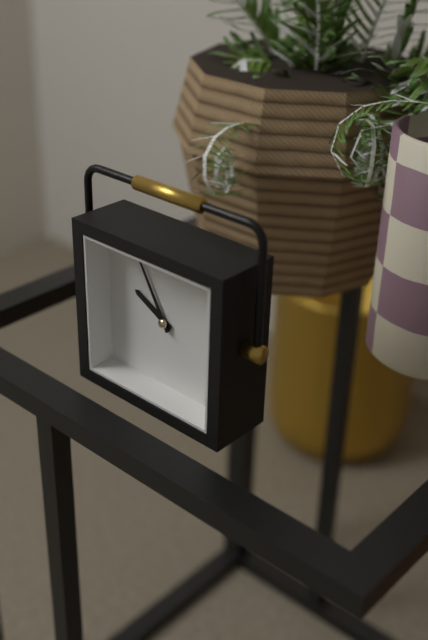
9:55
